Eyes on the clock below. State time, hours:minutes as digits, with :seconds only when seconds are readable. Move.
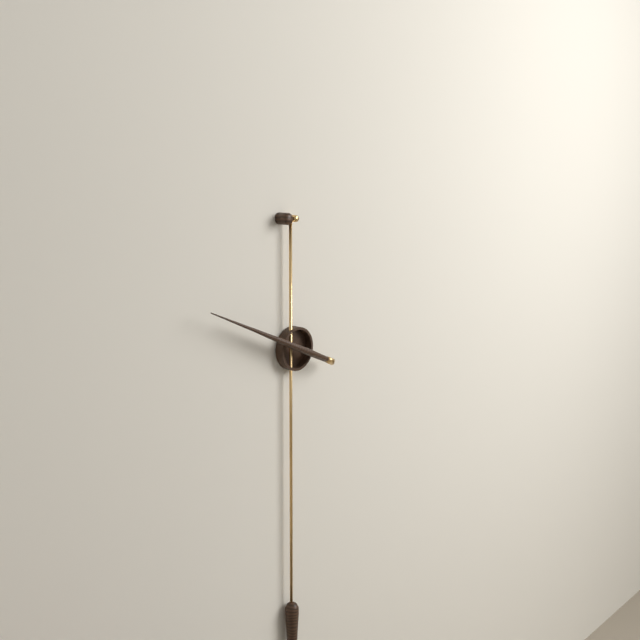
9:49
